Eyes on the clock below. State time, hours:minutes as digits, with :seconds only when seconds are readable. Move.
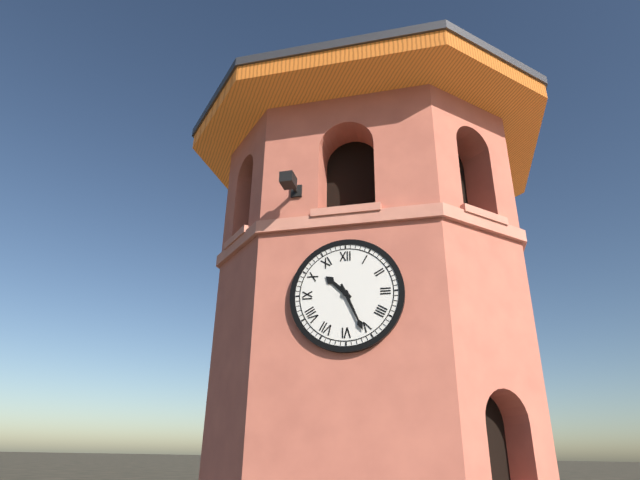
10:26
